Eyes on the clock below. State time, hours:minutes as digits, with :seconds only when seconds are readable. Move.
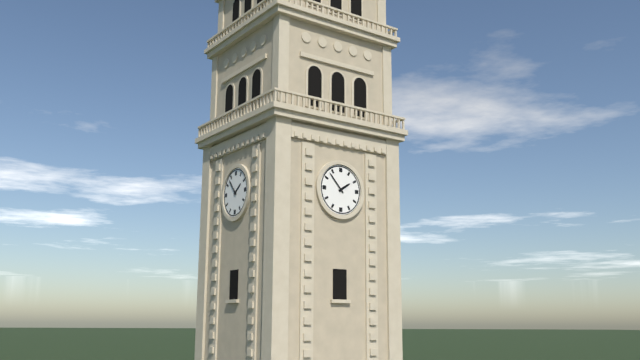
1:53
